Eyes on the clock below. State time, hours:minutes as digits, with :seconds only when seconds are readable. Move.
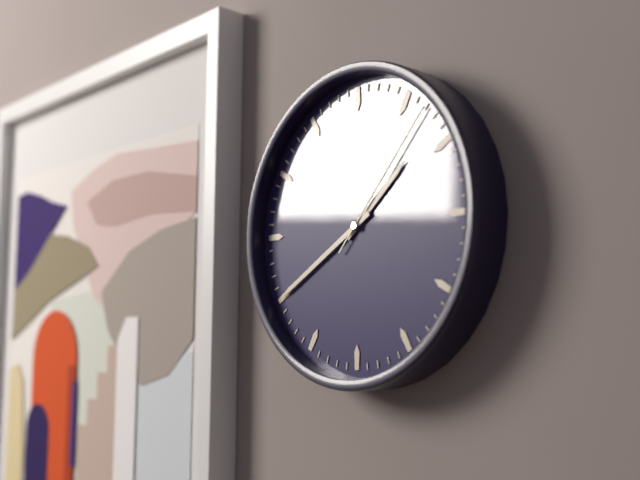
1:40:07
